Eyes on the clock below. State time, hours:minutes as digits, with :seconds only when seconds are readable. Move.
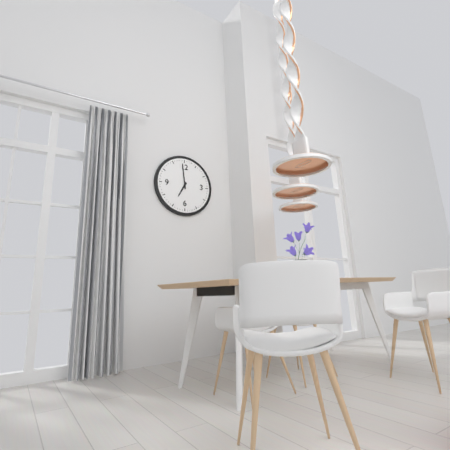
6:59
